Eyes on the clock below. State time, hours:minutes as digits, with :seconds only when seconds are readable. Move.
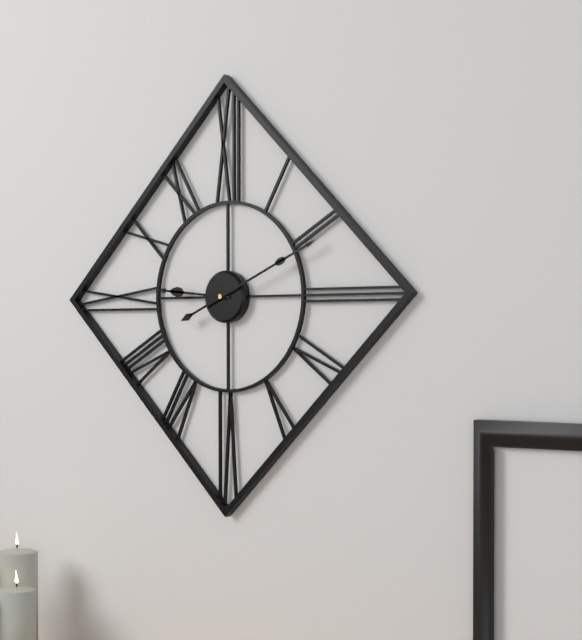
9:11
